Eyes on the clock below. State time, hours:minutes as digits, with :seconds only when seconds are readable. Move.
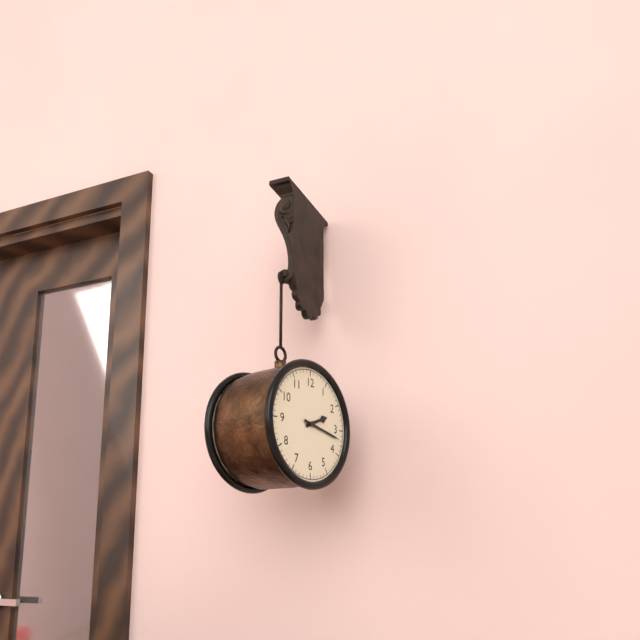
2:17
